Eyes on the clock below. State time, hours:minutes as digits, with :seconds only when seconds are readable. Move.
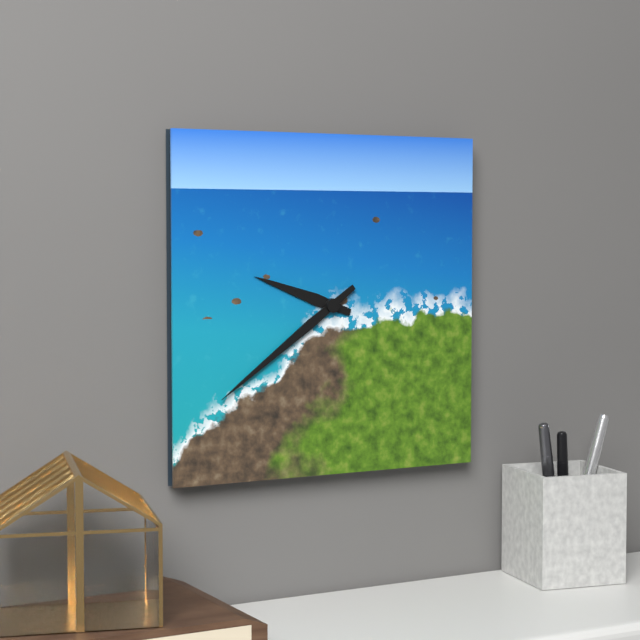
9:39
